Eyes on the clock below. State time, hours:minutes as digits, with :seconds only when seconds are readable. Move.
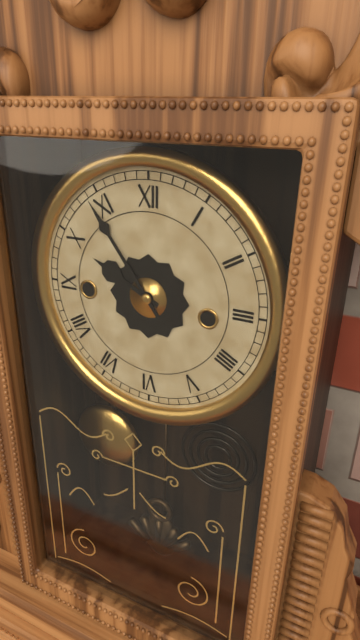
9:54
